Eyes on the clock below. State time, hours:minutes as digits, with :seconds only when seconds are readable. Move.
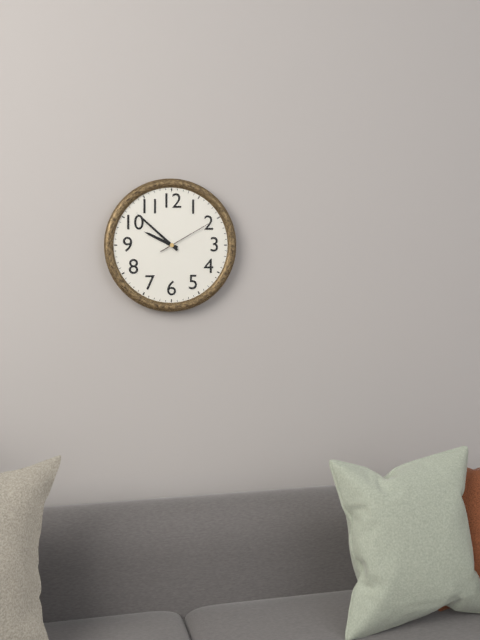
9:52:10
